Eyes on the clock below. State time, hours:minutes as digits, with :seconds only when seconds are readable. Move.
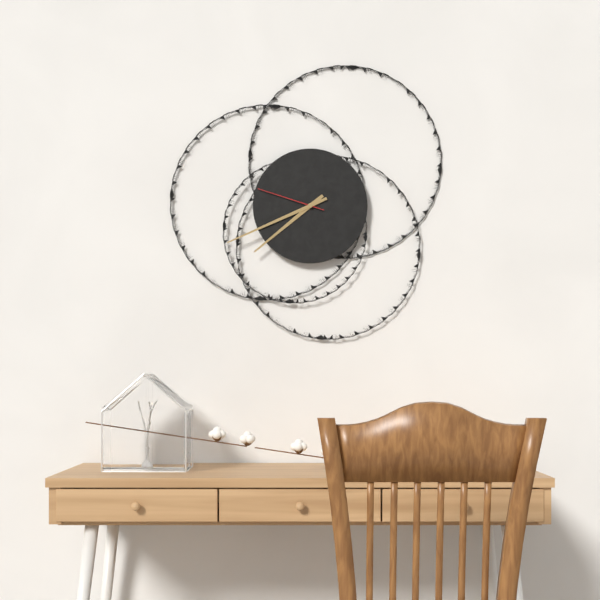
7:41:48
